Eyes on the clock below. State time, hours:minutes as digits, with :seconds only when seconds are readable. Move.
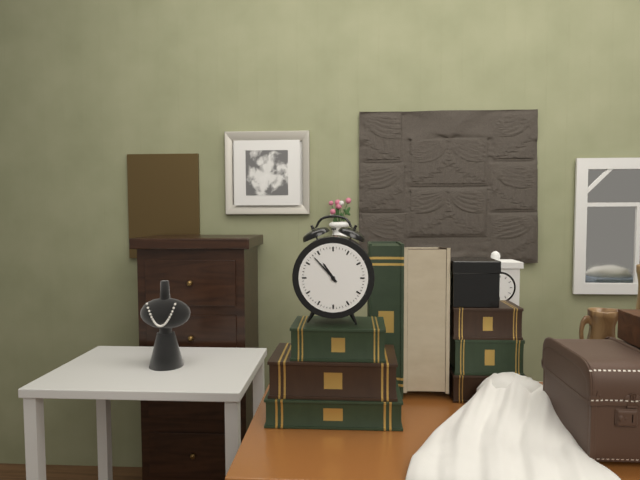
10:53
